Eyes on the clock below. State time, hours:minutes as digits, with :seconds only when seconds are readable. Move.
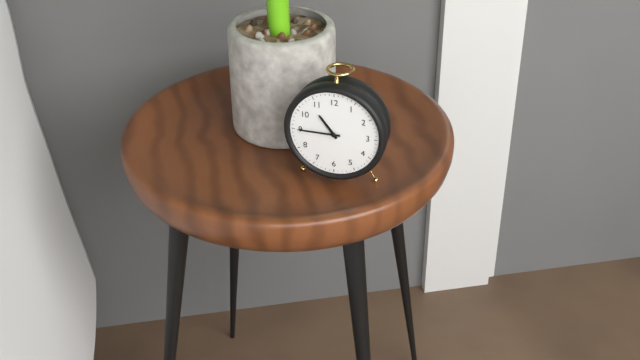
10:45
